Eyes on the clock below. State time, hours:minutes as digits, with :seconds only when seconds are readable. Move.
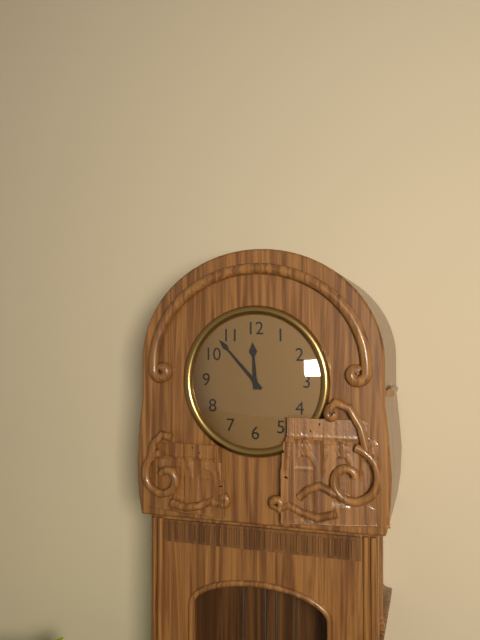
11:53
